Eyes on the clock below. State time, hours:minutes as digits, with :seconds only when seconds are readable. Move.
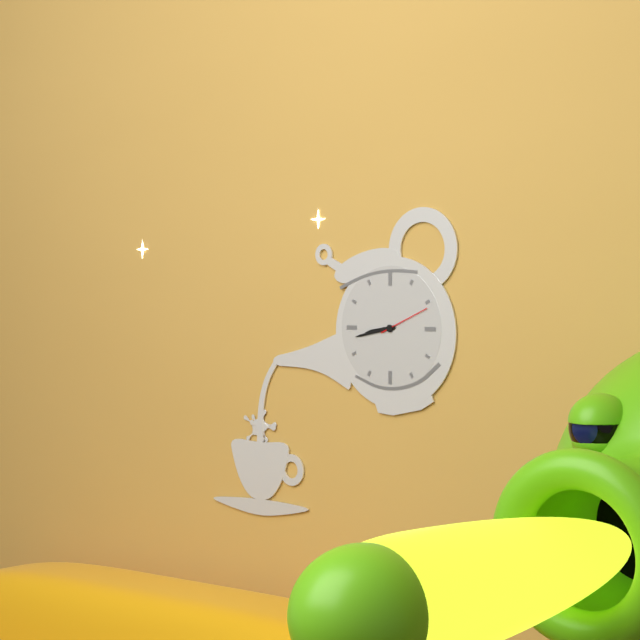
8:43
